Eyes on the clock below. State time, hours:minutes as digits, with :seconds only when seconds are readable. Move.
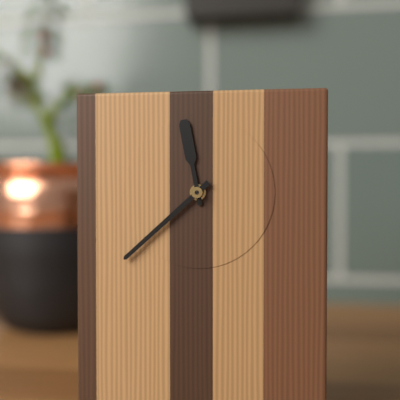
11:38
